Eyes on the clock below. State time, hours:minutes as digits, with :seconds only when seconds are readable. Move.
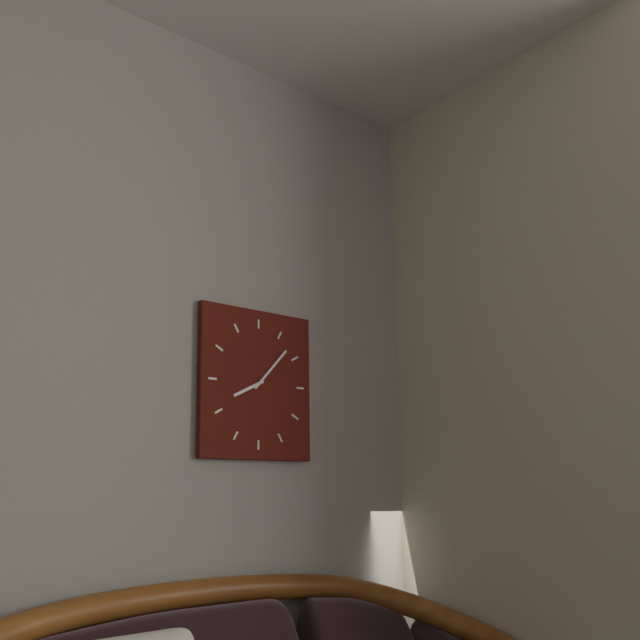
8:07
